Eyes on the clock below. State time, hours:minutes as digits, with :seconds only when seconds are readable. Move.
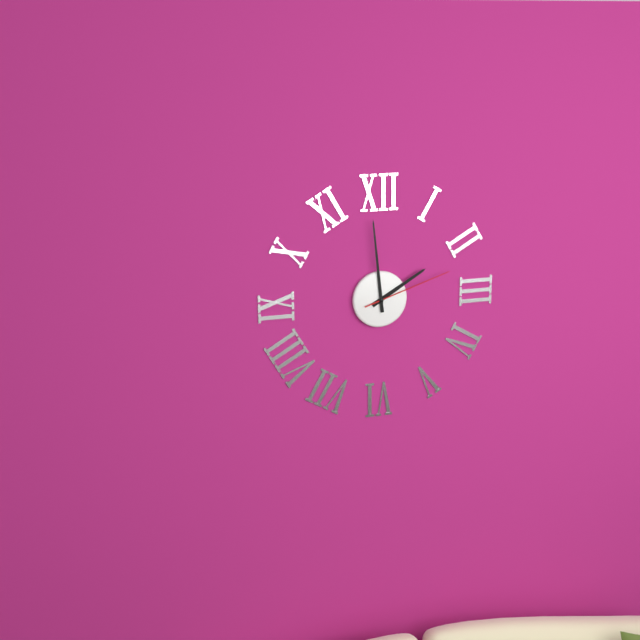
1:59:12
